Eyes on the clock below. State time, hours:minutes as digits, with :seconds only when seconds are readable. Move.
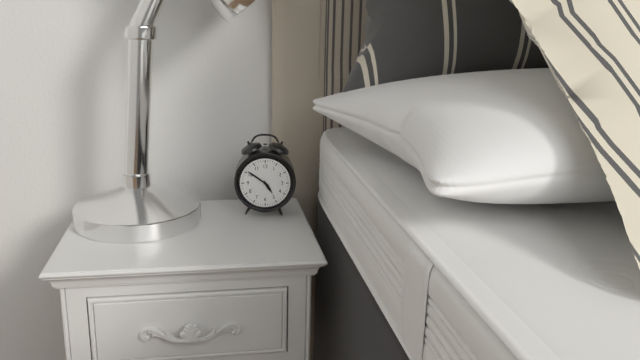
4:51
